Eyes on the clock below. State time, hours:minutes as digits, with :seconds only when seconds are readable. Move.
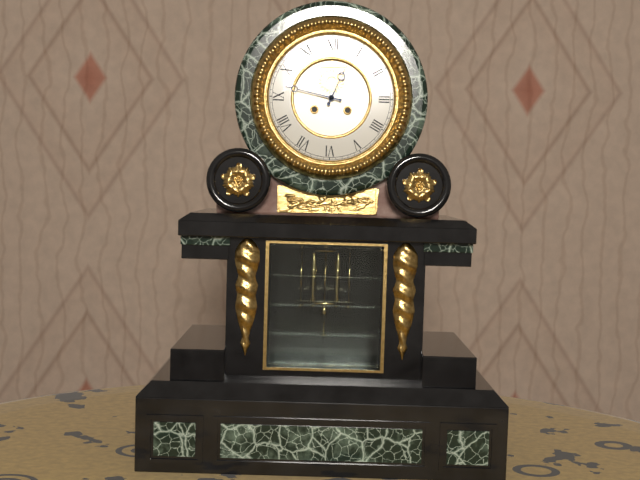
12:47
